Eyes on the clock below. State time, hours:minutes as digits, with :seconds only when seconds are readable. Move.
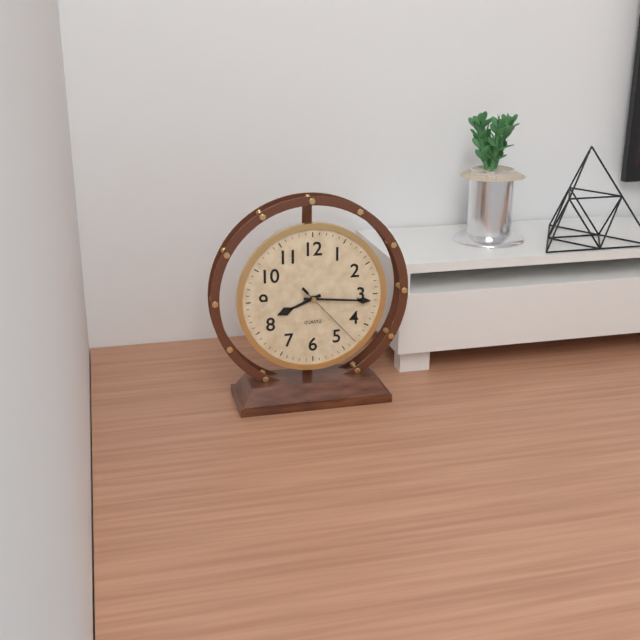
8:16:23
